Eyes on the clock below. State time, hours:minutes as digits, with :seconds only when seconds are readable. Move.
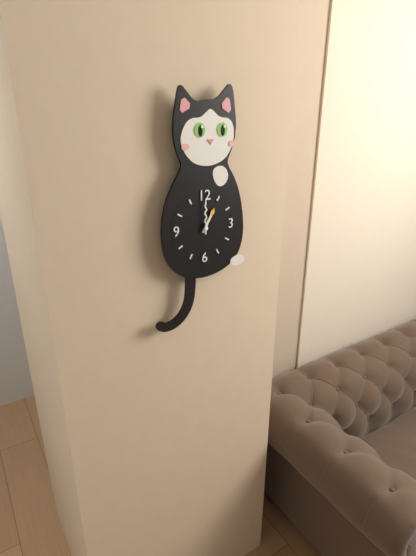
1:00
